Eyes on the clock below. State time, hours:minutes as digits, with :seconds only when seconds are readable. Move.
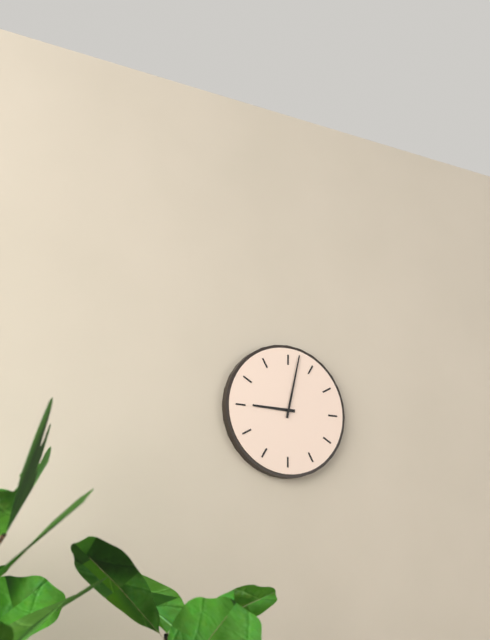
9:02
